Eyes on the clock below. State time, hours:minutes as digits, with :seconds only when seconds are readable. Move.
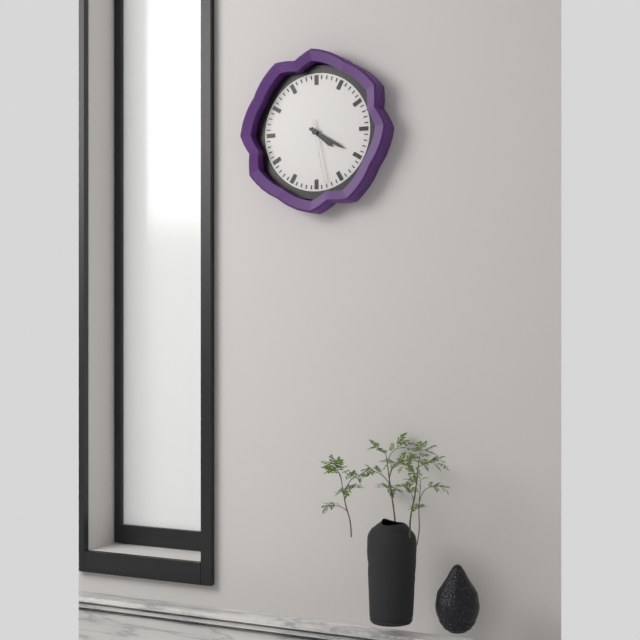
4:20:28
